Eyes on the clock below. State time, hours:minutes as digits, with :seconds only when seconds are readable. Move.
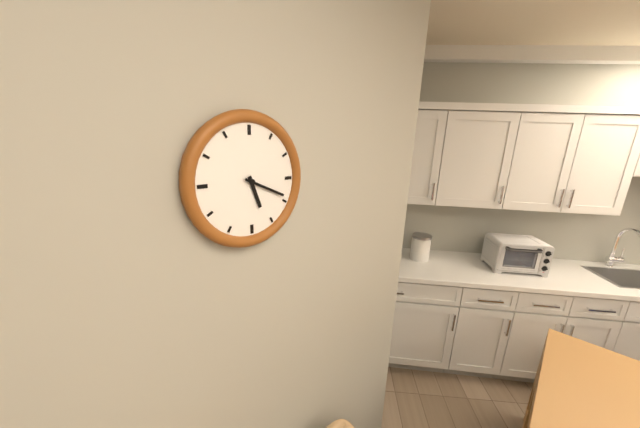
5:19
